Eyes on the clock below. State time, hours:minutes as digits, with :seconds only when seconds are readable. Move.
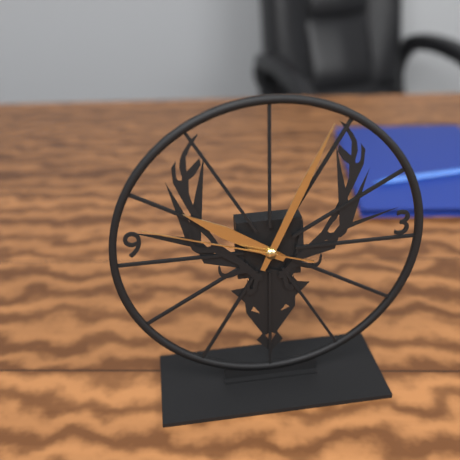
10:04:48
